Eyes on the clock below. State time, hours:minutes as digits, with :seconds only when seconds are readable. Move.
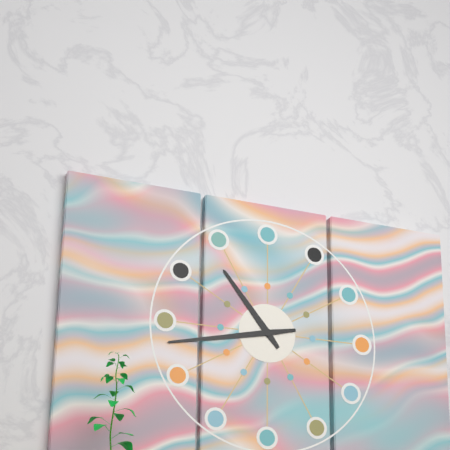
10:43
